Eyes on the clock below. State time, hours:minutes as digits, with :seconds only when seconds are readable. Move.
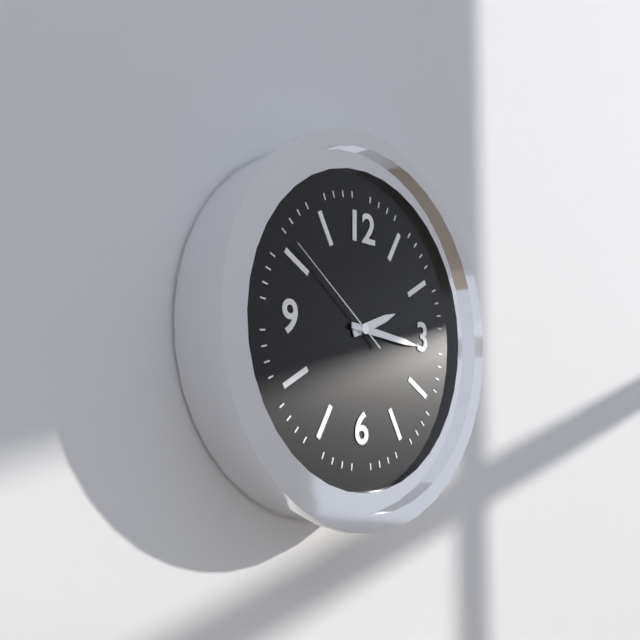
2:16:51
